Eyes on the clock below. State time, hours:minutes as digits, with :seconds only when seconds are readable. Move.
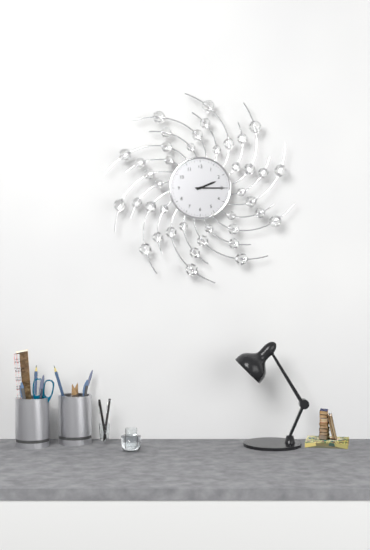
2:15
